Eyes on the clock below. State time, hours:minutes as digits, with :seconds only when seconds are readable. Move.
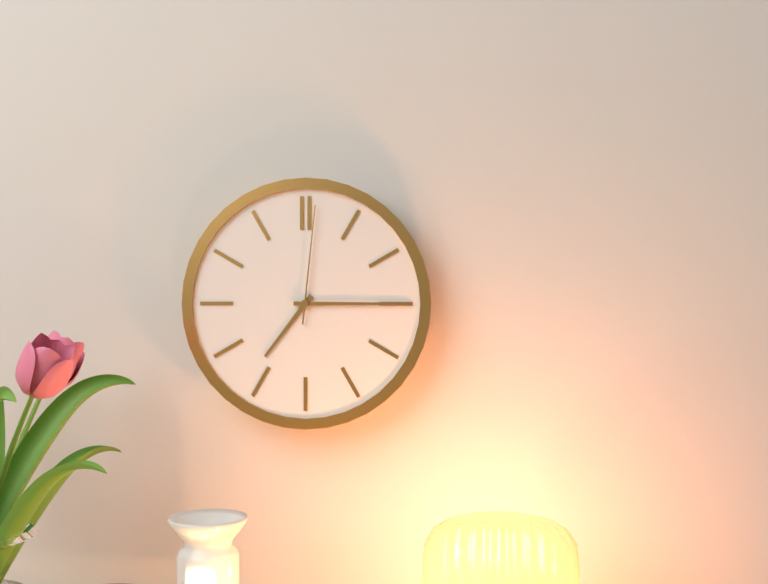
7:15:01
